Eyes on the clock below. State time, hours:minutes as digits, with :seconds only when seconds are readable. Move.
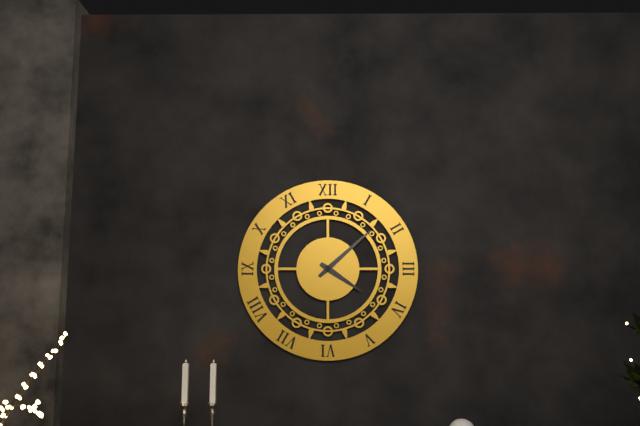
4:08
